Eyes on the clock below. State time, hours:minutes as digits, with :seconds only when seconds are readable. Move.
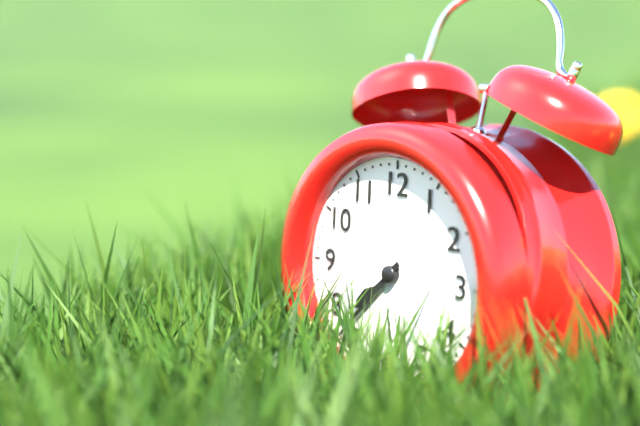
7:37
